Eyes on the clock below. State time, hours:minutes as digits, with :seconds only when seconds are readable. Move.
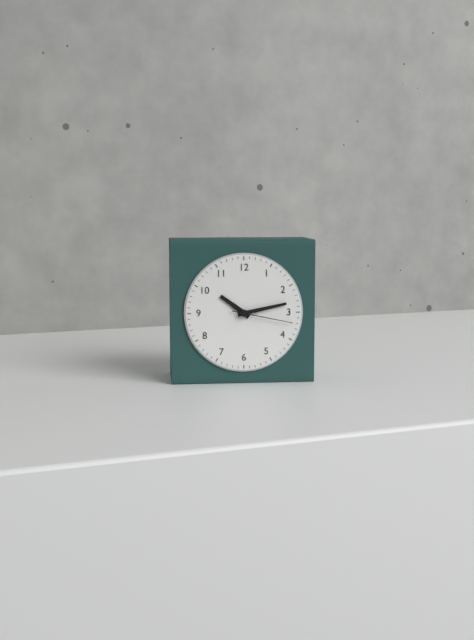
10:13:17
